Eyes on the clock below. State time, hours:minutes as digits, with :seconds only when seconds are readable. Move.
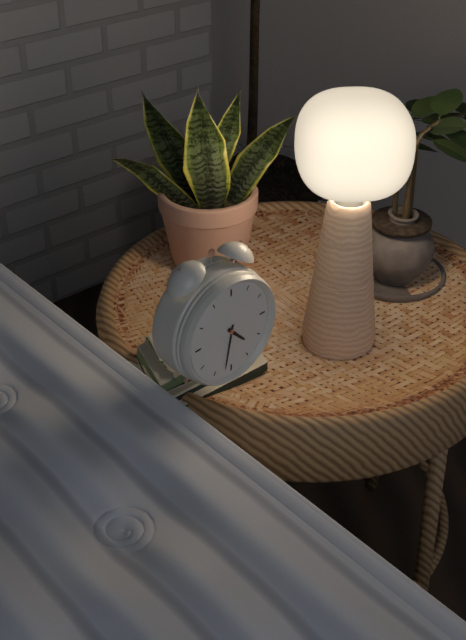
4:32
